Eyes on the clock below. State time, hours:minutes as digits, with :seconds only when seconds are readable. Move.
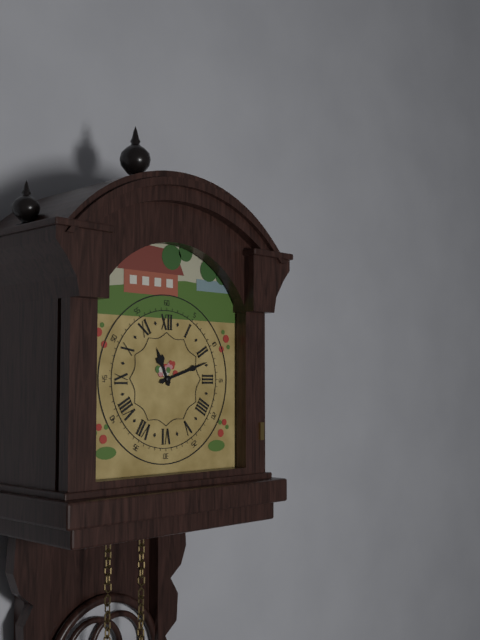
11:12
